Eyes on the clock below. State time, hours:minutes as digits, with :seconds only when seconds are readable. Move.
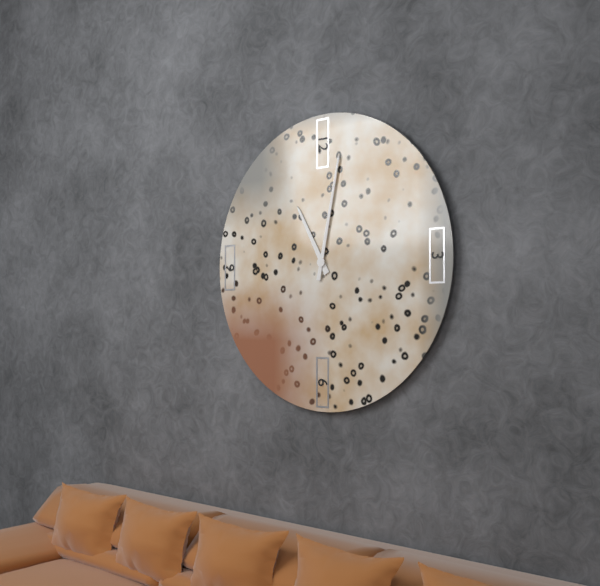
11:02
